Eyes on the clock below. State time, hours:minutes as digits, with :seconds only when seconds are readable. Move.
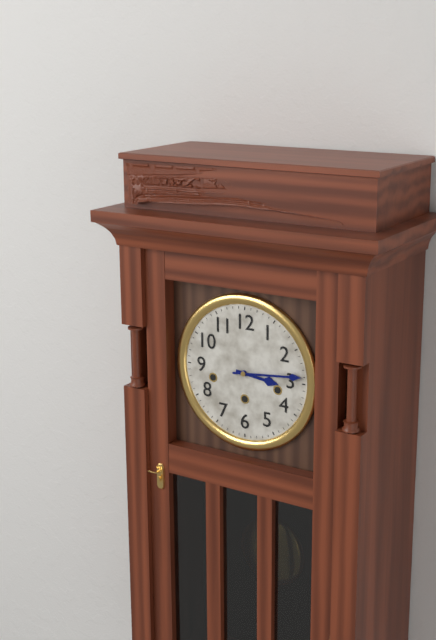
3:14
